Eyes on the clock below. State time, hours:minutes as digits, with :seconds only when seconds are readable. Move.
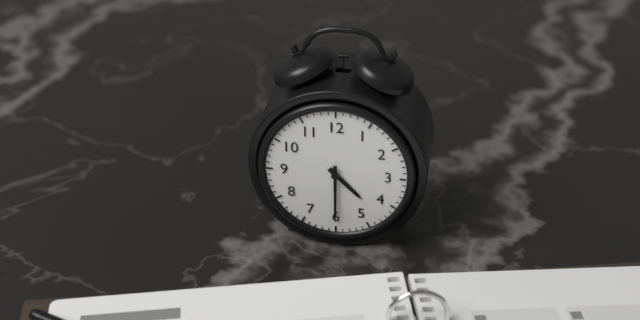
4:30
